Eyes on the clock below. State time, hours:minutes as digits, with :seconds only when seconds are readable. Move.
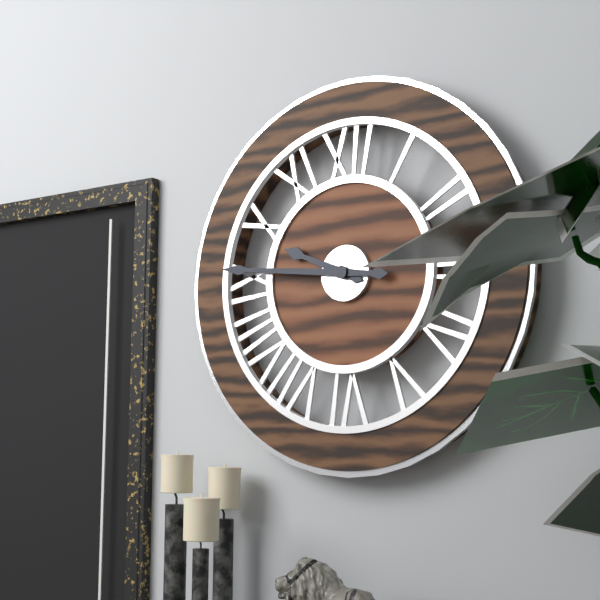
9:46
